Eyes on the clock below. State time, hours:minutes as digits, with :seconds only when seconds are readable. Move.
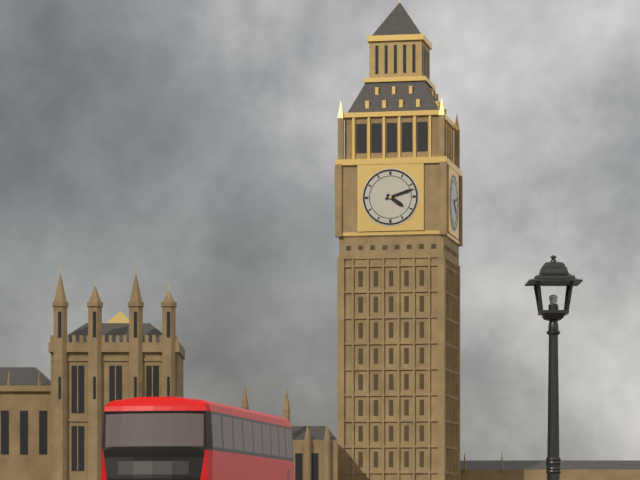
4:12
